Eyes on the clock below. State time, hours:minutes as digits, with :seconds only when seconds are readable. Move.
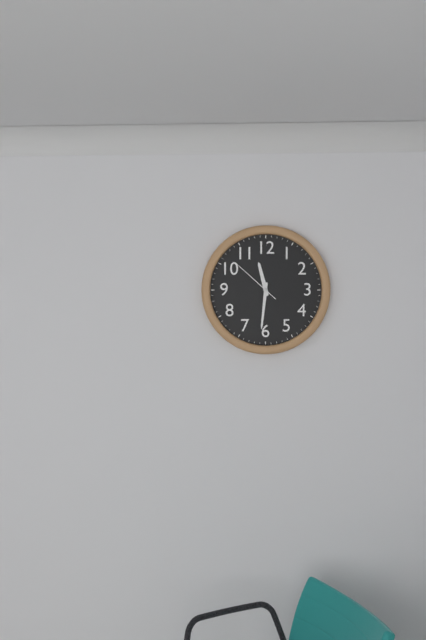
11:31:52
